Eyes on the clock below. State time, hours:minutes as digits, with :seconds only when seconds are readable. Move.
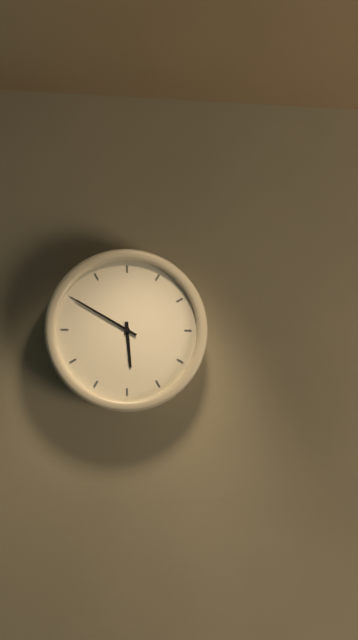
5:50
